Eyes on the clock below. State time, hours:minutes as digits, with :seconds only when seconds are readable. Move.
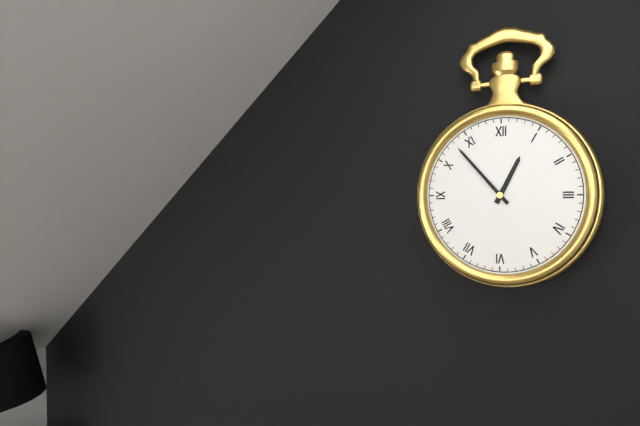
12:53
